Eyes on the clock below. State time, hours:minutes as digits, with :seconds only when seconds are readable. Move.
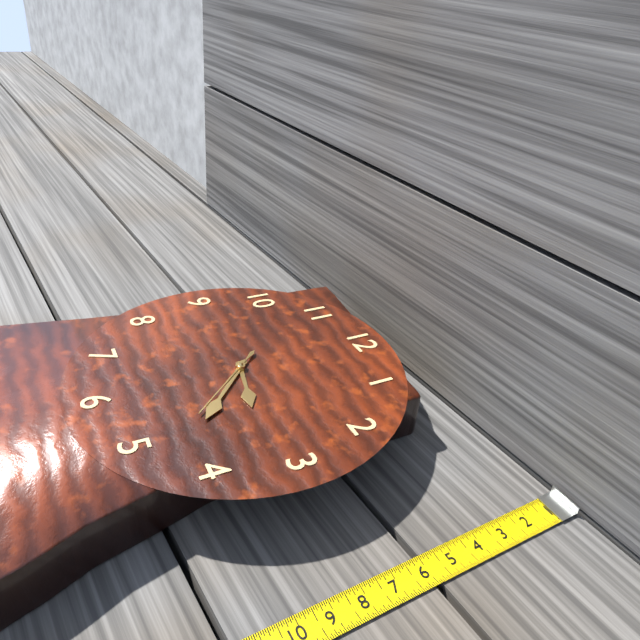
3:22:23
